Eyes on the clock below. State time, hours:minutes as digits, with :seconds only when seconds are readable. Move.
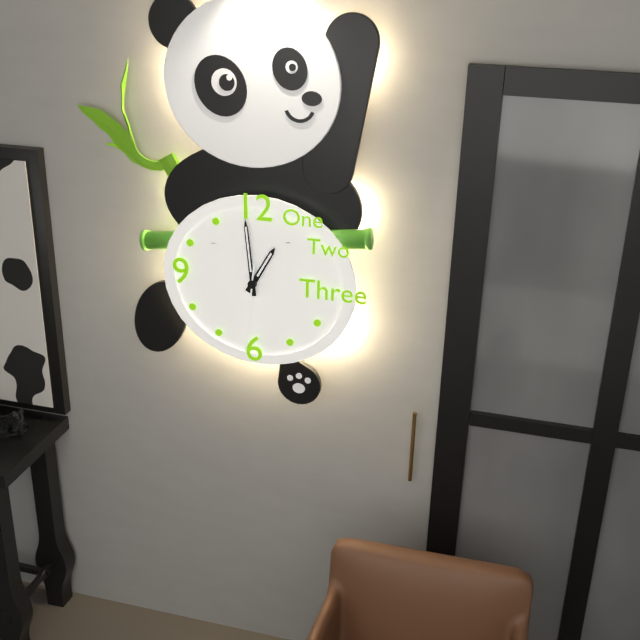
12:59:31
